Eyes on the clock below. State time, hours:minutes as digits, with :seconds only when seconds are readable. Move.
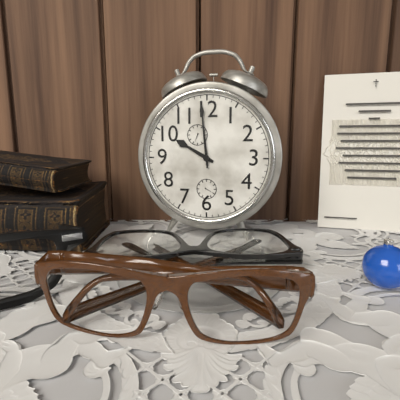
9:59
